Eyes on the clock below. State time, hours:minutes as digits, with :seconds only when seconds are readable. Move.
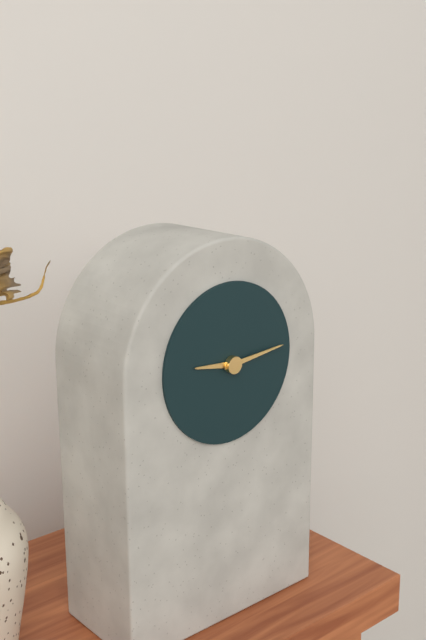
9:14
